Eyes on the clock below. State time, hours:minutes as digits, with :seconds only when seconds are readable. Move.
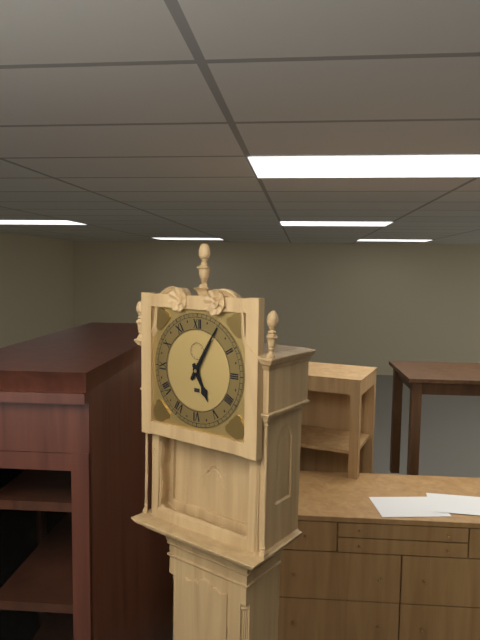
5:05
